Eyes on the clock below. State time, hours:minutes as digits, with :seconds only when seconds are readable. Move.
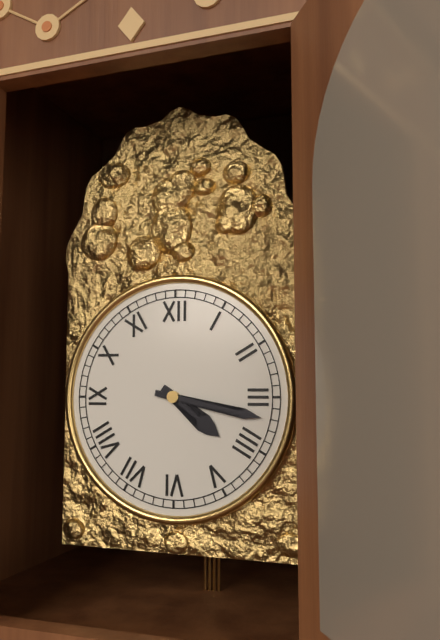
4:17
